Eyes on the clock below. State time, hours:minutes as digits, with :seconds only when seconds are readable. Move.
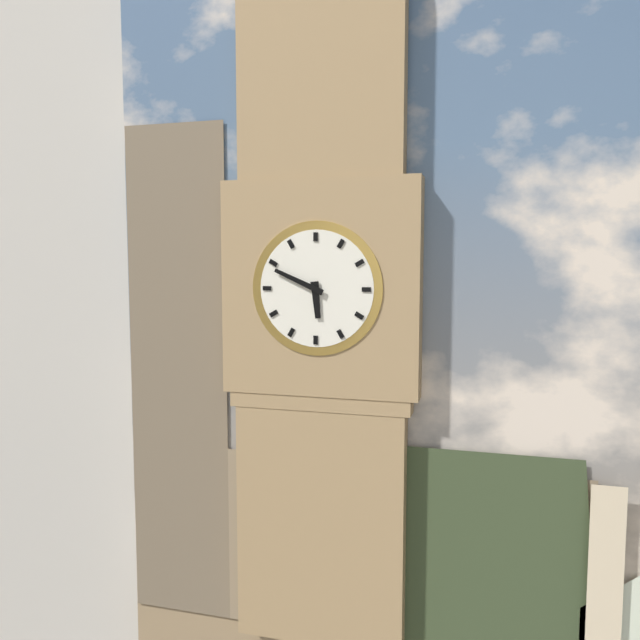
5:49
